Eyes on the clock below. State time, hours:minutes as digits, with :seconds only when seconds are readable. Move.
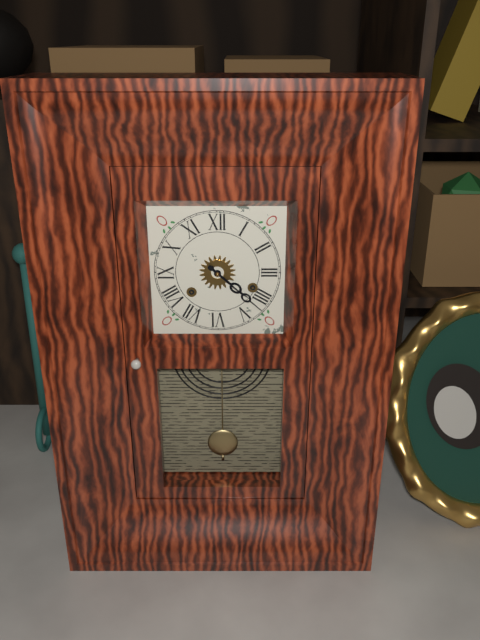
4:22
